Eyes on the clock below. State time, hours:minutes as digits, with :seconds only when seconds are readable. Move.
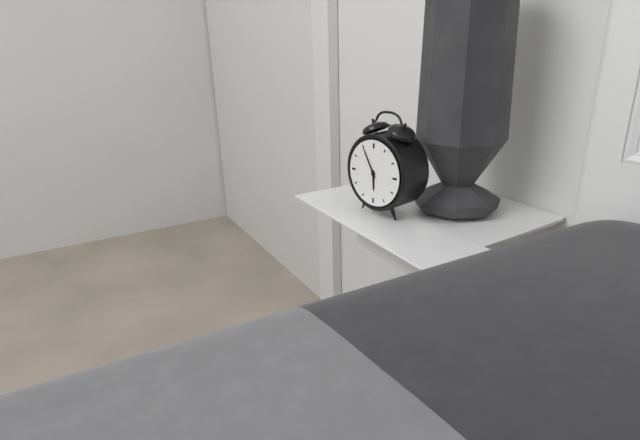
5:55
